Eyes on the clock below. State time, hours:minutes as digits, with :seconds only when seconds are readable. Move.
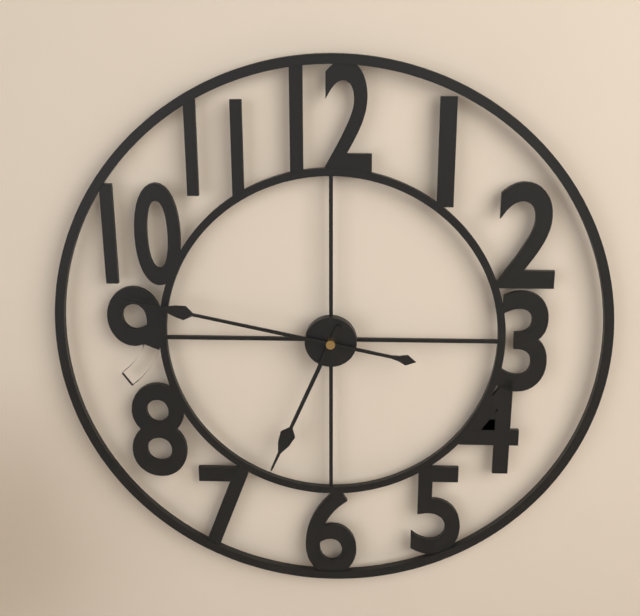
6:47
